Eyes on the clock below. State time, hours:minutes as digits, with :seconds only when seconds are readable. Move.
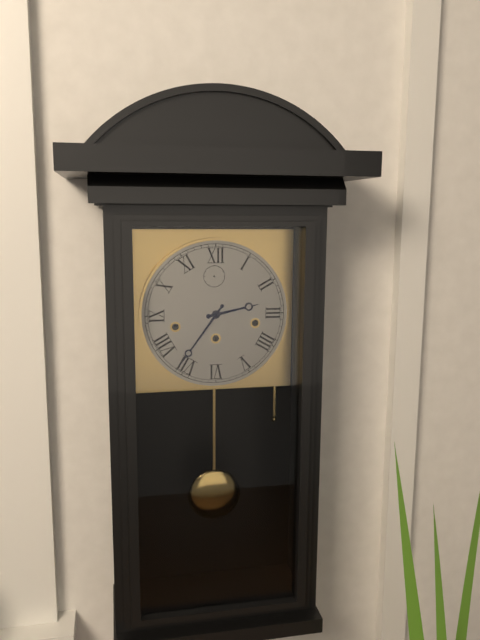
2:36
